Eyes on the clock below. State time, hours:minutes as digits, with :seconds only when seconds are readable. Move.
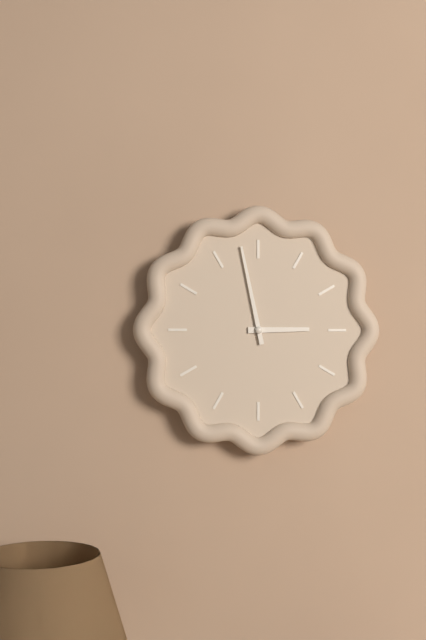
2:58
